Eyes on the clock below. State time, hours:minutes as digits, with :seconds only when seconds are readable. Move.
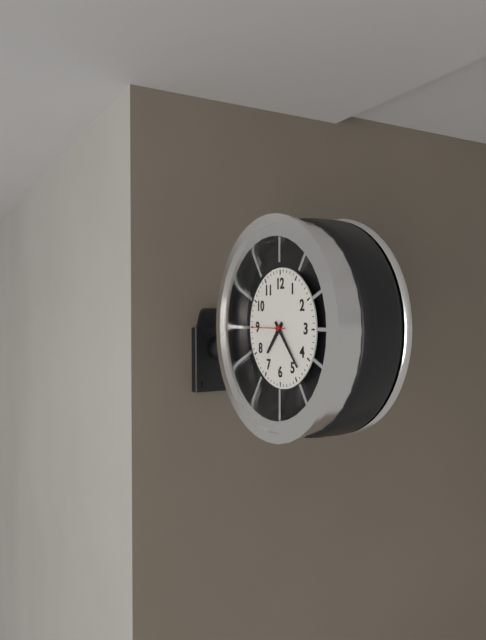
7:23:45
